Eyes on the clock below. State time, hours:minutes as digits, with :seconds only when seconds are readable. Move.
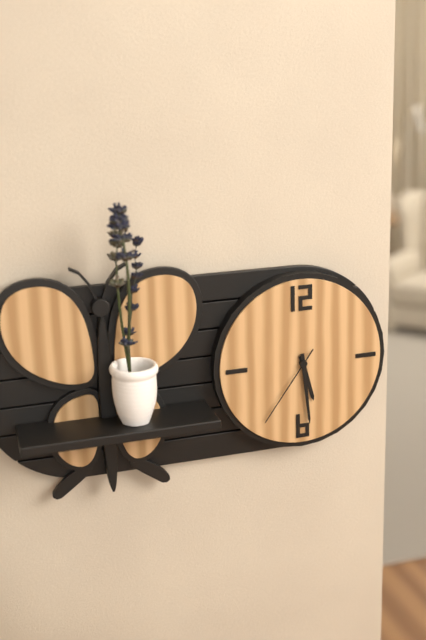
5:29:36
